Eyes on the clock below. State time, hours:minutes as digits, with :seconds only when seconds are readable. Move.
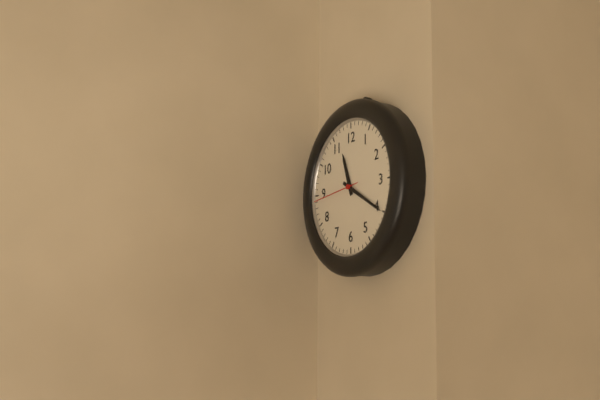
11:20
